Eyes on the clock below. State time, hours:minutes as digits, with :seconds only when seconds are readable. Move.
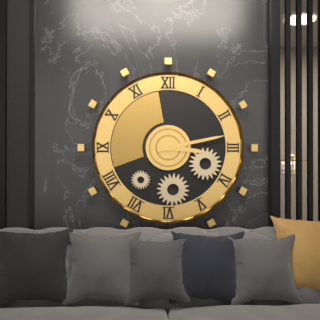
3:13
